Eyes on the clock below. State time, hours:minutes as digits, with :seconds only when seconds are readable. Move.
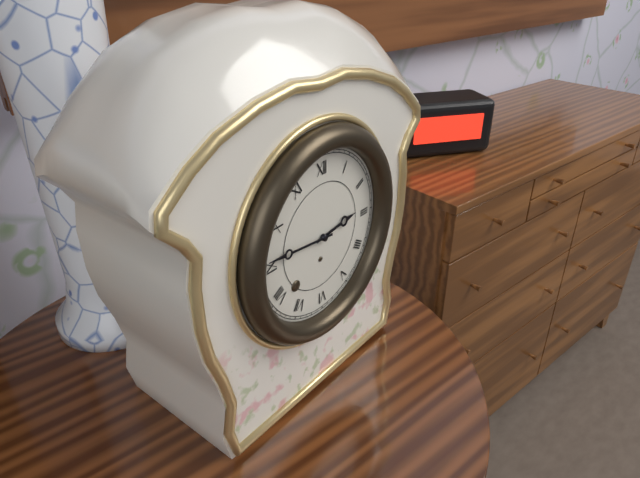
2:46
